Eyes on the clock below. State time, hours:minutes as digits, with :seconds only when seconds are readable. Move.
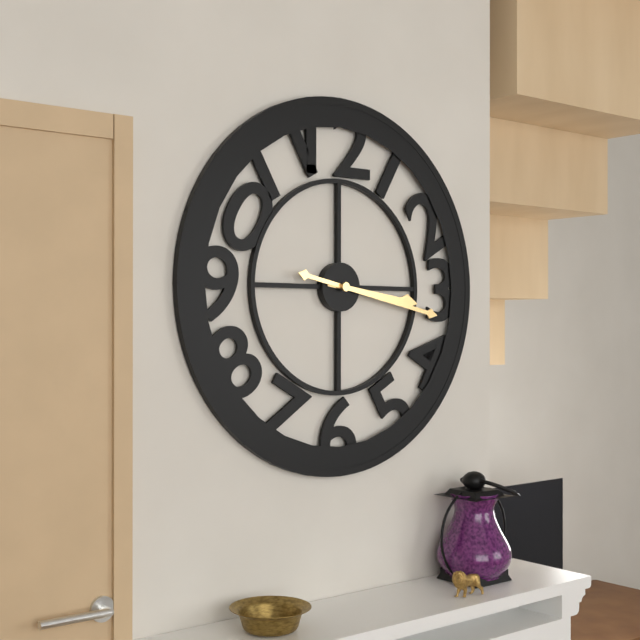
3:17
